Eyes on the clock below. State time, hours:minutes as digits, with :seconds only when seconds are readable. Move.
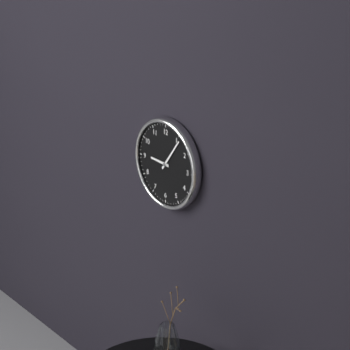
9:06
